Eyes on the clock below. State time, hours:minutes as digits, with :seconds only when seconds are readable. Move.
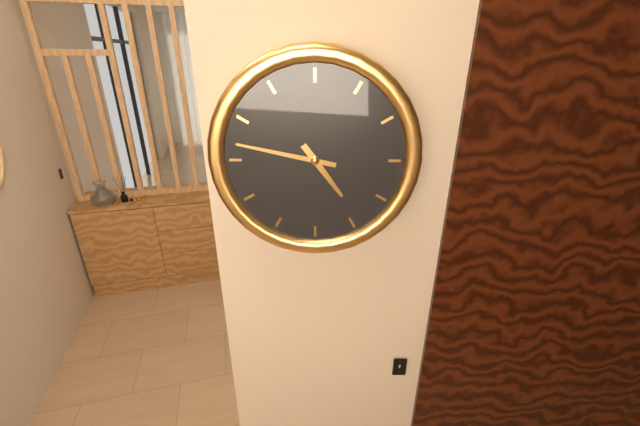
4:47
